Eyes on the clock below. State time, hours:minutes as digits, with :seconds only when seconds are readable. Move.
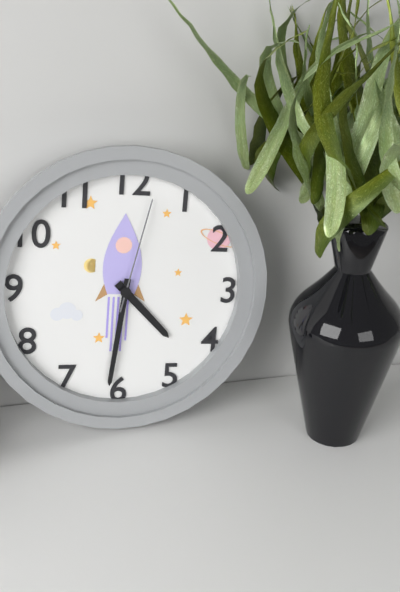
4:31:02
